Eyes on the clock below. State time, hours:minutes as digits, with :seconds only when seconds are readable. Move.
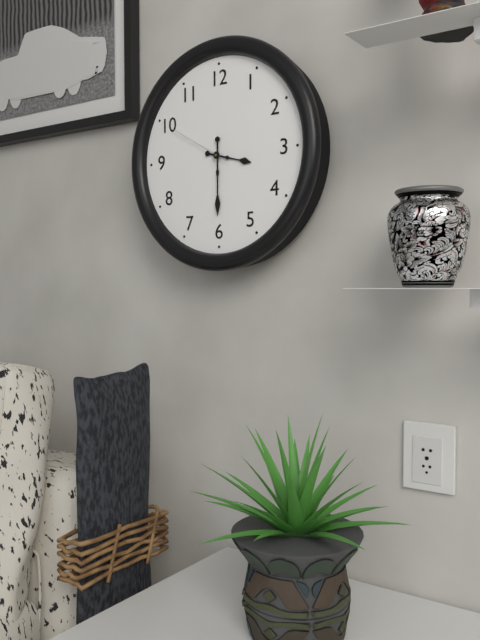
3:30:50
